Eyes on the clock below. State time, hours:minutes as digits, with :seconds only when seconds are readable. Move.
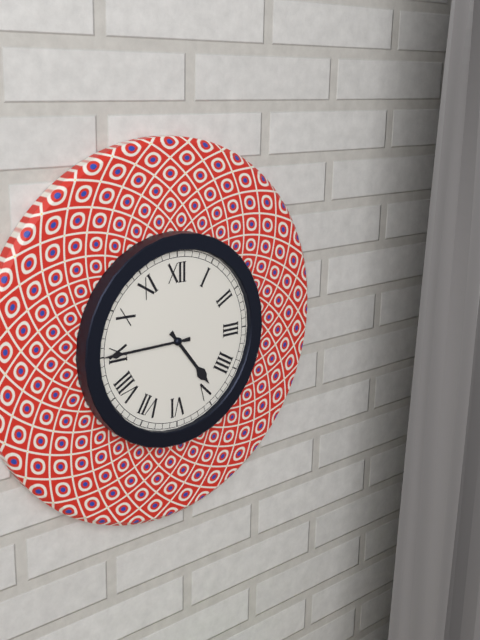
4:45
